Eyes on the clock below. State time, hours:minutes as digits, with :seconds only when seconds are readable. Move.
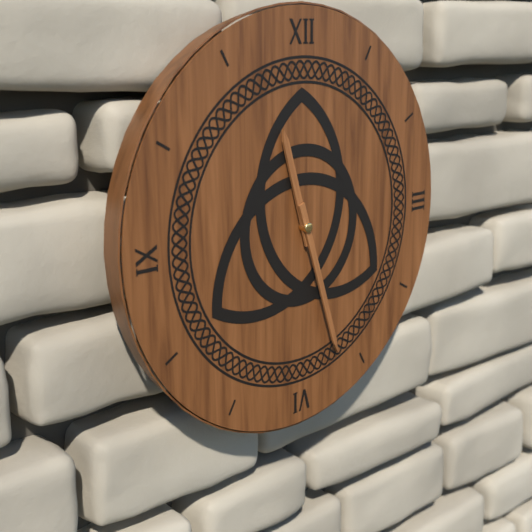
11:27
